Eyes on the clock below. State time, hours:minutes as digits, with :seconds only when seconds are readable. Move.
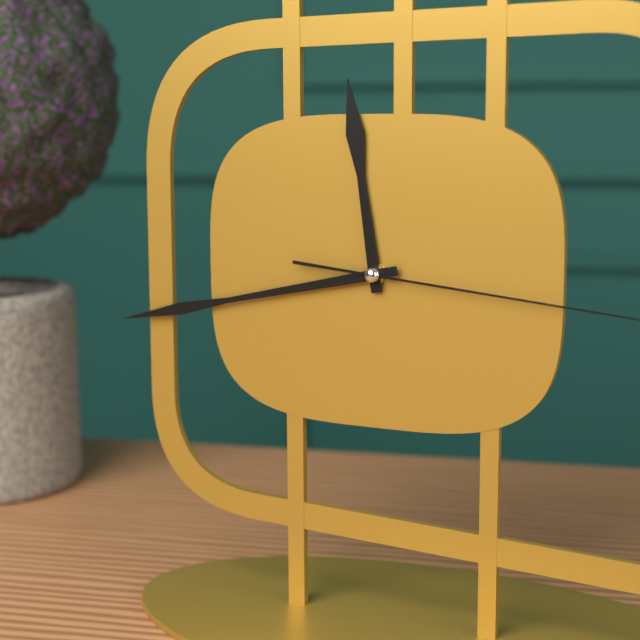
11:43
